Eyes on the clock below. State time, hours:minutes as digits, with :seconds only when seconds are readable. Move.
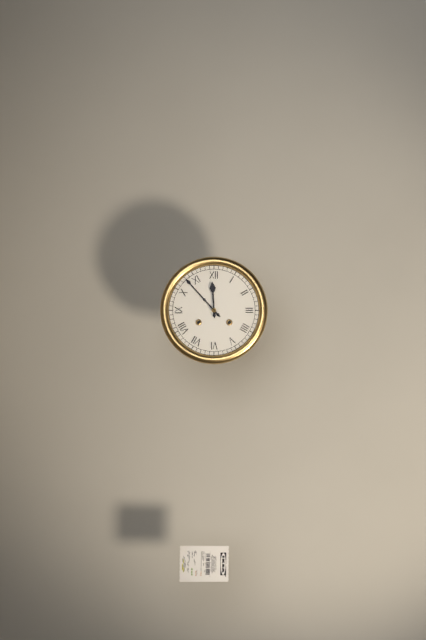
11:53
